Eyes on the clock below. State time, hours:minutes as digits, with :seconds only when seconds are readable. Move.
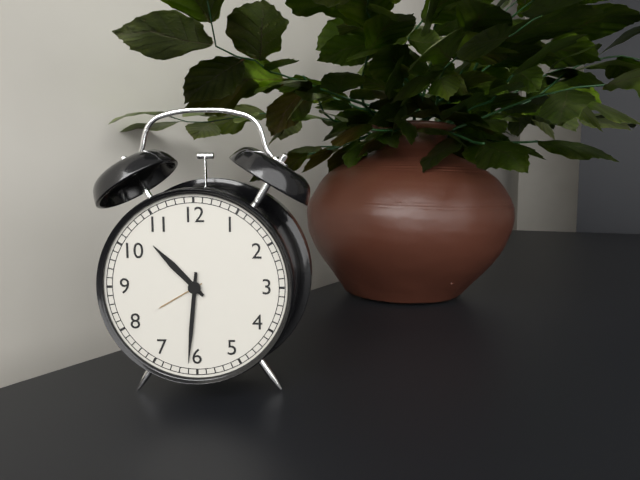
10:31
